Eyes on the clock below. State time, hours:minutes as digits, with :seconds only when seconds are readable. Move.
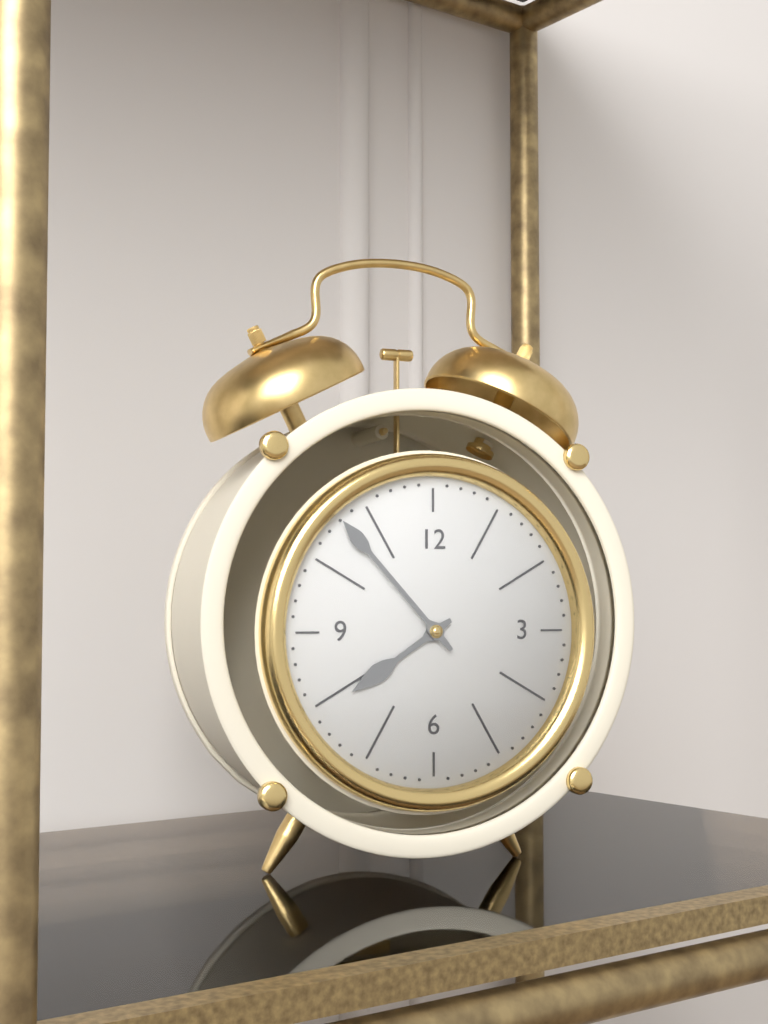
7:53
